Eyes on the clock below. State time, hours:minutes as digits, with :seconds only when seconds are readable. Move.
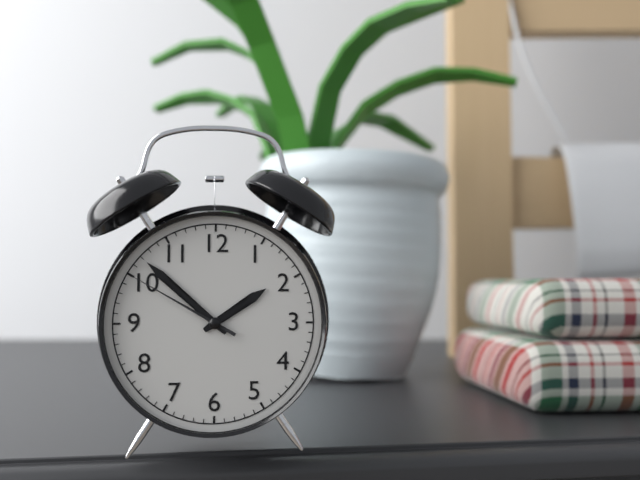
1:52:50
